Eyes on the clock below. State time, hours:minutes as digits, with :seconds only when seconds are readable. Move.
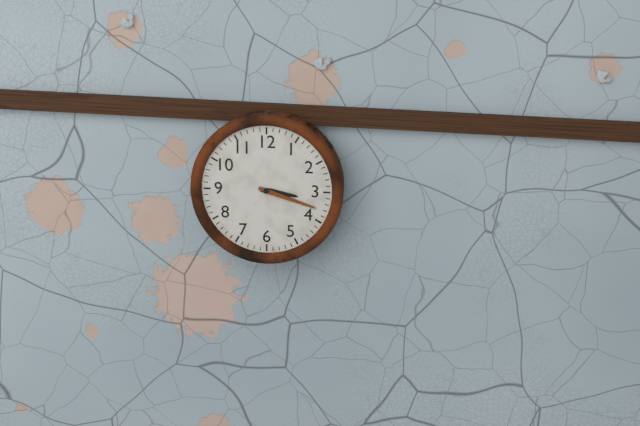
3:18
